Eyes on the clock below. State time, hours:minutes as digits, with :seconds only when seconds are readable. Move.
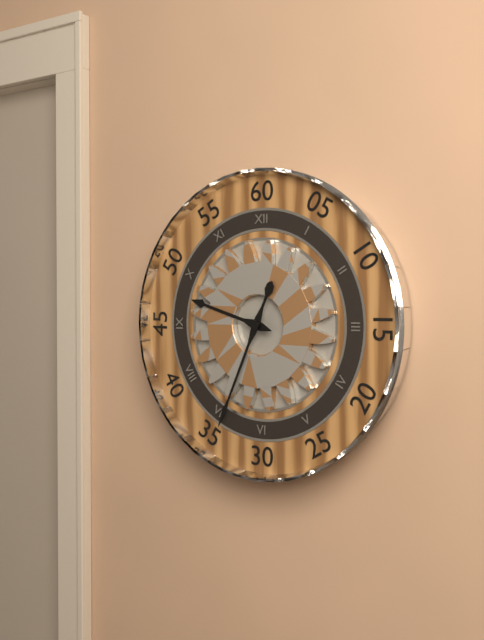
9:34
